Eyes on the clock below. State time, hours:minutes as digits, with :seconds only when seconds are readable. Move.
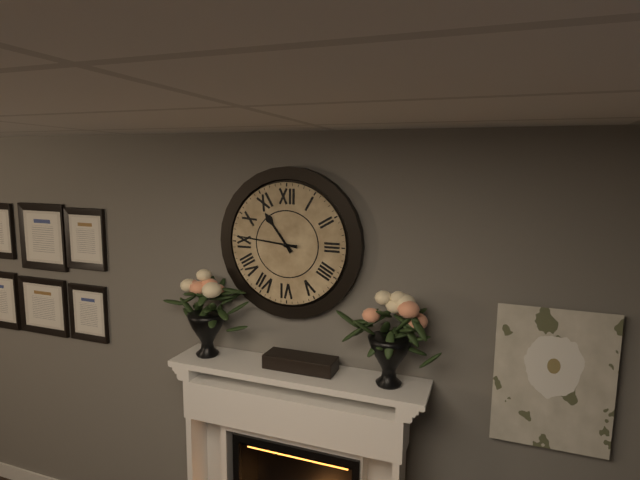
10:46
